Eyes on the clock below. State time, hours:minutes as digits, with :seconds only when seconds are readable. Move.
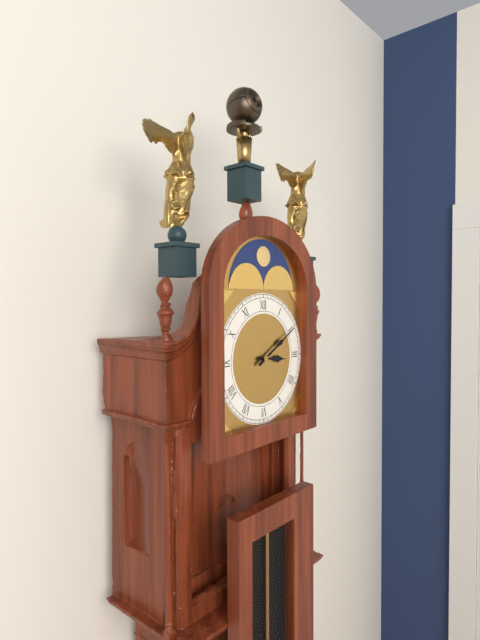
3:10
